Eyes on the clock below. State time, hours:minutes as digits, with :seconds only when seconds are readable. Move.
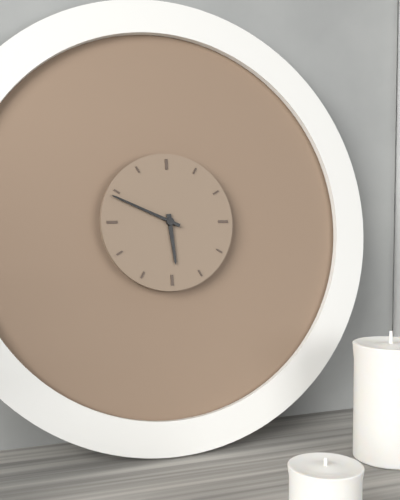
5:49
